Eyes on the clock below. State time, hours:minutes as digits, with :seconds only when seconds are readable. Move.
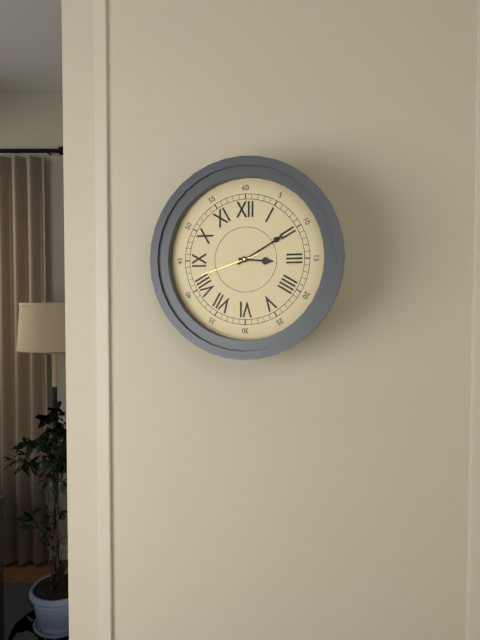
3:10:42
